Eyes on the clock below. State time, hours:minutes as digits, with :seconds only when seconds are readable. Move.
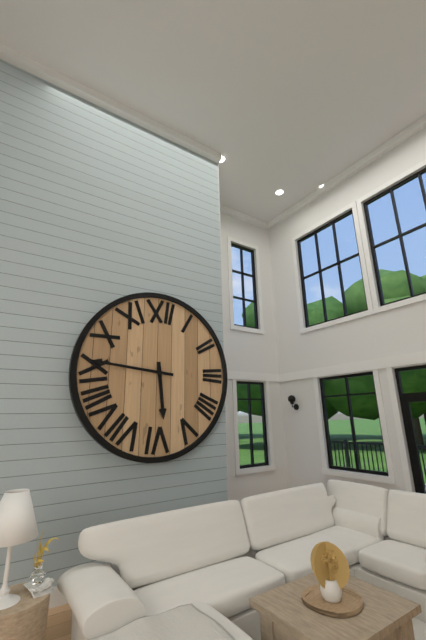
5:46
